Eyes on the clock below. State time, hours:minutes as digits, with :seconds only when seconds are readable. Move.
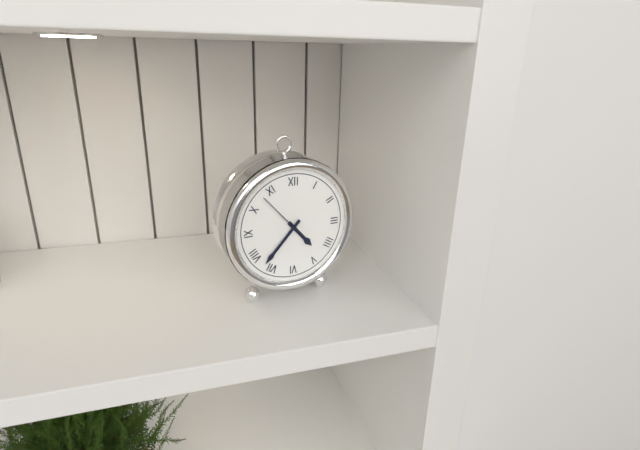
4:37
